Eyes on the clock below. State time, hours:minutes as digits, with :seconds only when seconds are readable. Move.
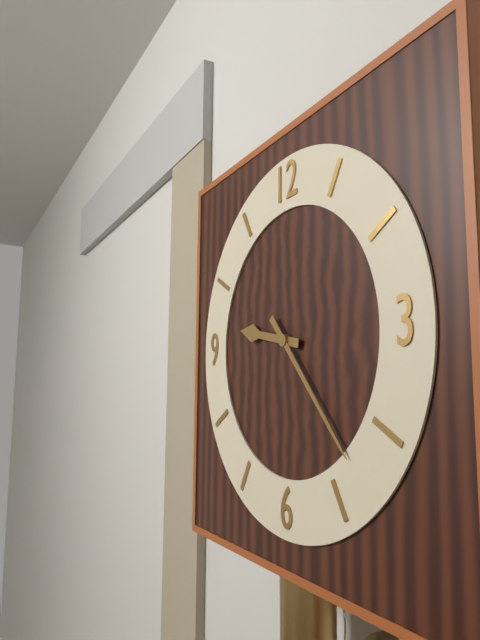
9:23
